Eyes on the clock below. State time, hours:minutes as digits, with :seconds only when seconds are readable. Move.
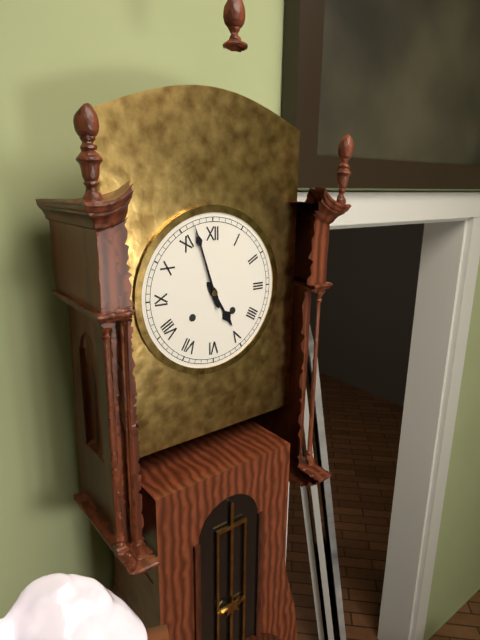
4:57
